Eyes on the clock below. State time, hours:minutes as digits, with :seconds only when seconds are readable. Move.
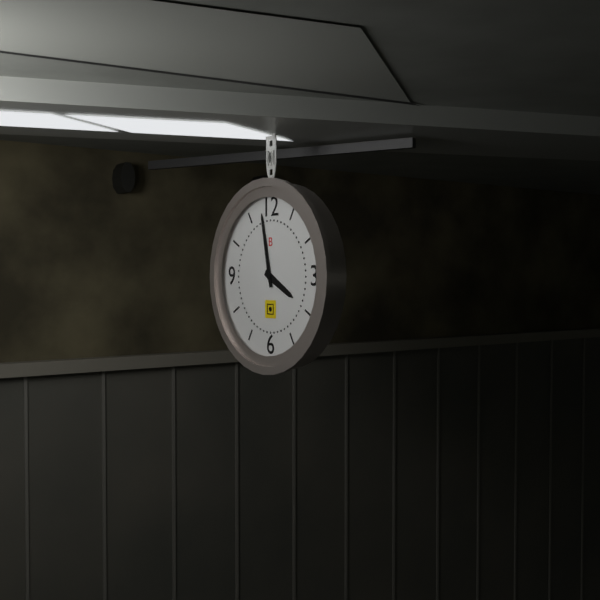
3:58
